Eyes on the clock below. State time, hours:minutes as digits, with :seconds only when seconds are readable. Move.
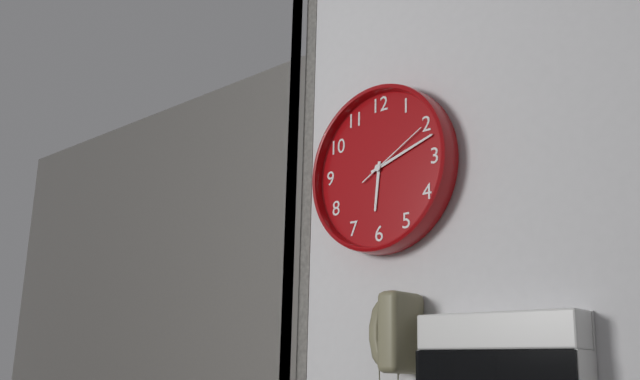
6:12:10
